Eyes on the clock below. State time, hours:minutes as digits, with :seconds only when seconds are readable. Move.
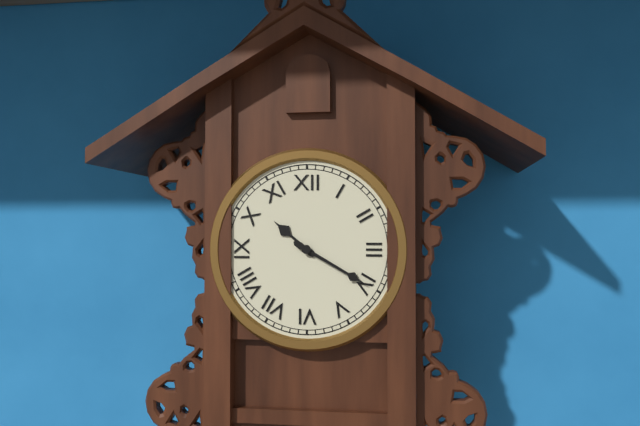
10:20
